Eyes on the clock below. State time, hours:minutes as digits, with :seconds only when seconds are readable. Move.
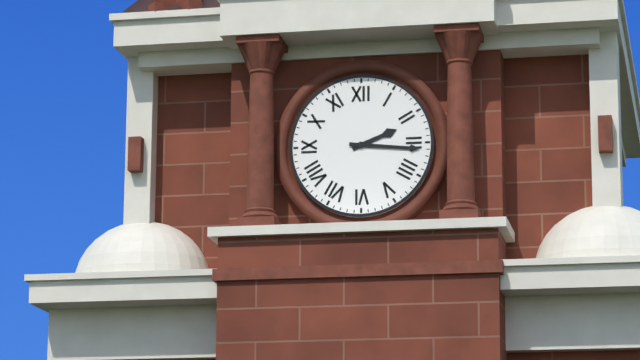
2:16
